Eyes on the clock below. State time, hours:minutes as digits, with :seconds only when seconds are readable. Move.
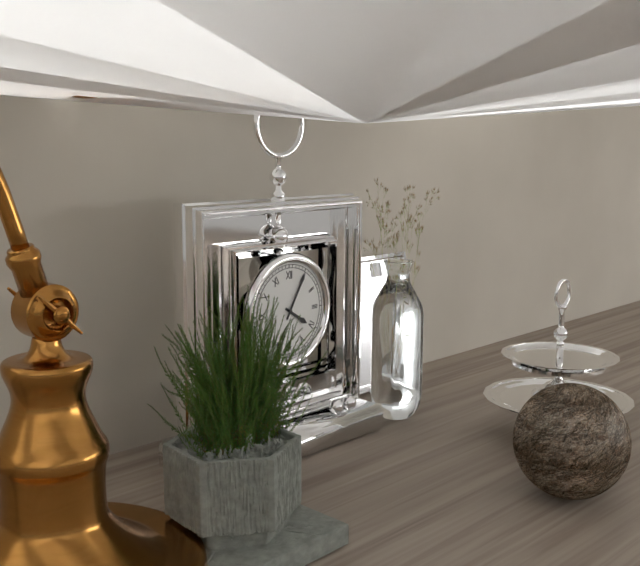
4:05
